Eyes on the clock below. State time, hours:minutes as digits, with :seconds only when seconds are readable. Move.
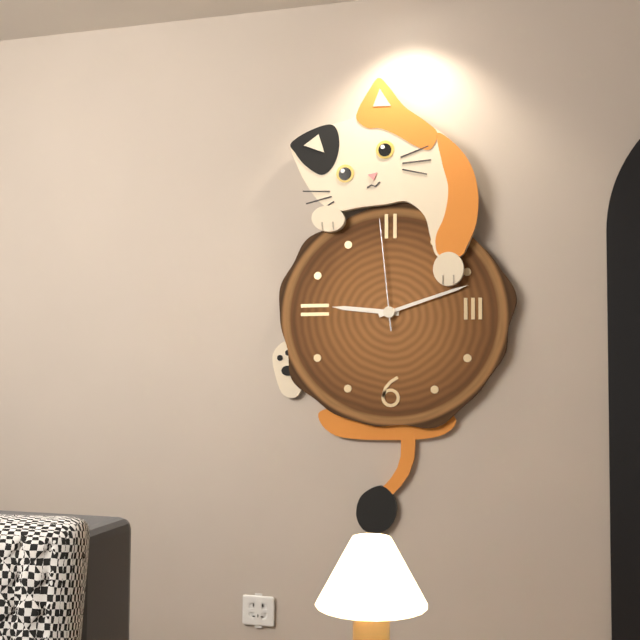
9:12:59
